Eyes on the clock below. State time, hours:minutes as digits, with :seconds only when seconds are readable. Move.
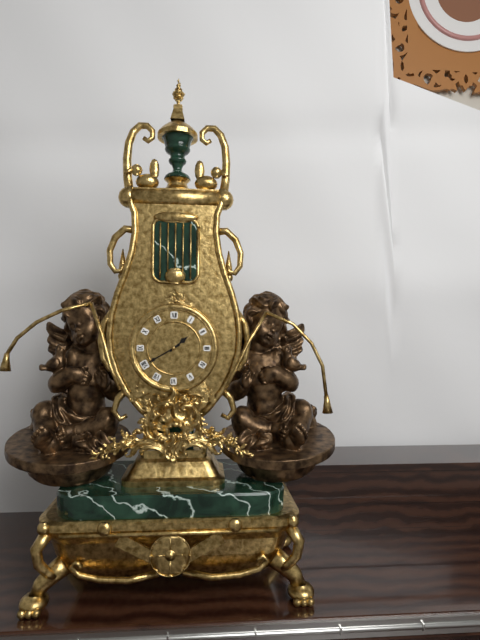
1:40
